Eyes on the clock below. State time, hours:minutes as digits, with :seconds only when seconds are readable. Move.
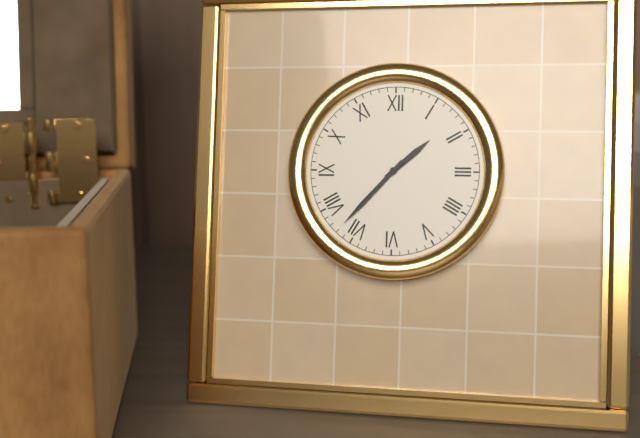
1:37
